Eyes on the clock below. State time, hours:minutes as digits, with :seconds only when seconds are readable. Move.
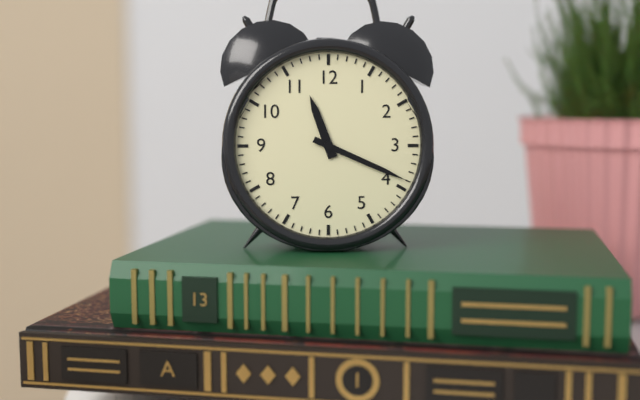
11:19
